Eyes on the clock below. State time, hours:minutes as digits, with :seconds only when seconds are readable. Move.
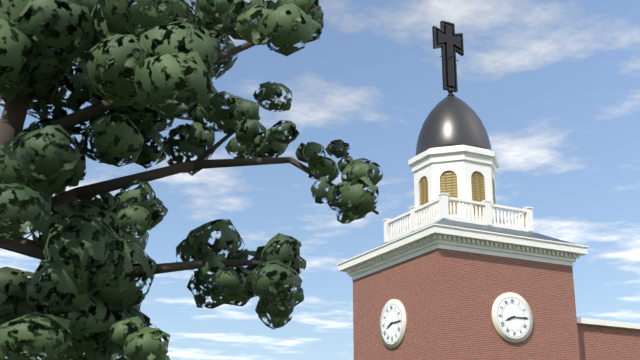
8:15
